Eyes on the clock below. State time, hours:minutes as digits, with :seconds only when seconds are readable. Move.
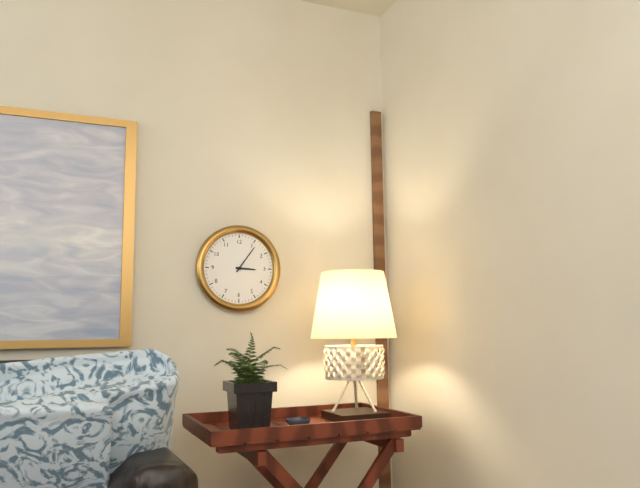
3:06
